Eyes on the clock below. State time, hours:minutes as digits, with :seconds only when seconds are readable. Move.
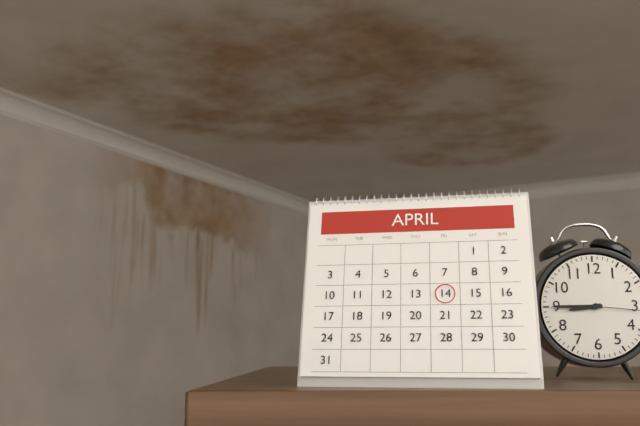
8:45
